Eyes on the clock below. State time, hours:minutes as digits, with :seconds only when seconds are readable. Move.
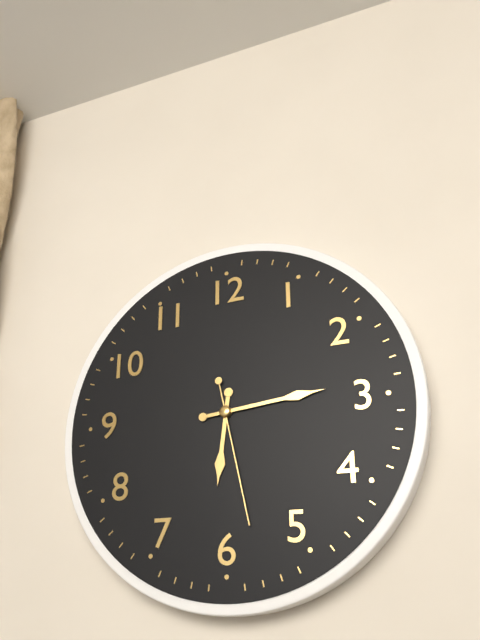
6:14:28
